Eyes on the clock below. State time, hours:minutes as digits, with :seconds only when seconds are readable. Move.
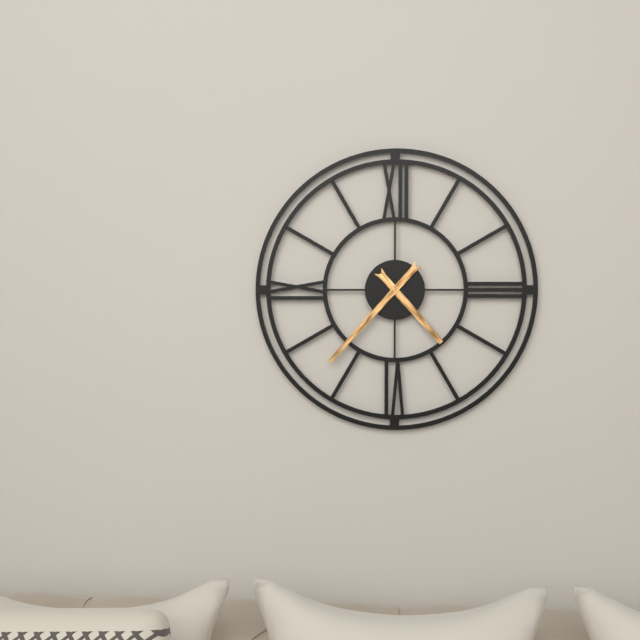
4:37
